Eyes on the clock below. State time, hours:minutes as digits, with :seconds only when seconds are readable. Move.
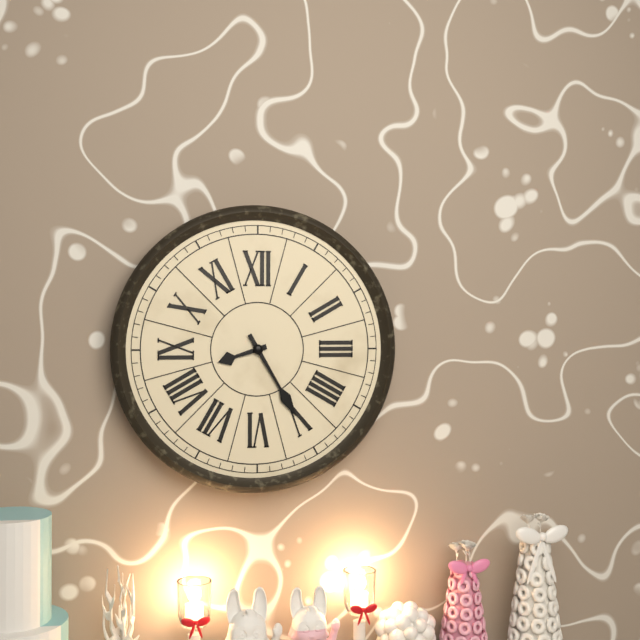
8:25
